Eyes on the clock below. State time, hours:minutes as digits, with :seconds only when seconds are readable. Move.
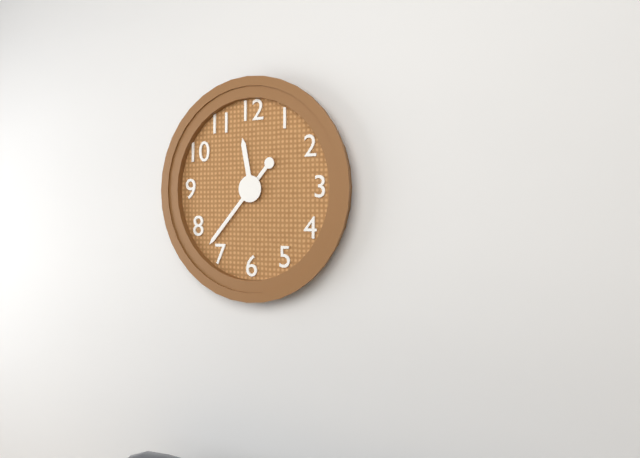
11:37
